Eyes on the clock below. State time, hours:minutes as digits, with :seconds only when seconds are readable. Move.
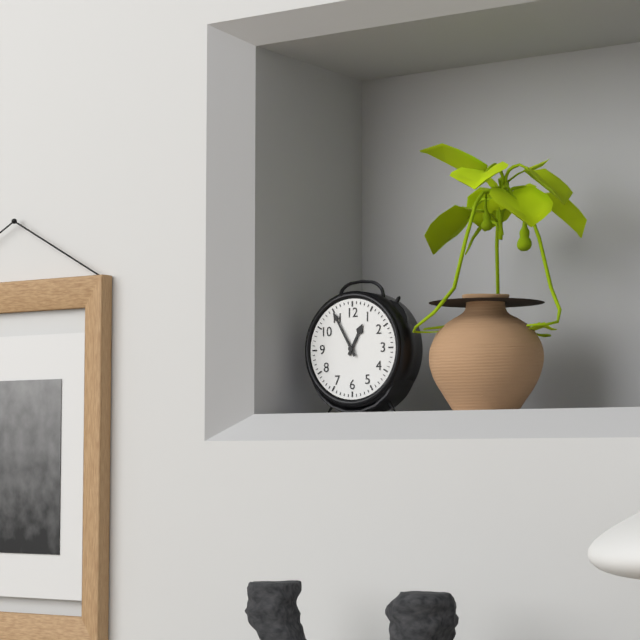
12:55
